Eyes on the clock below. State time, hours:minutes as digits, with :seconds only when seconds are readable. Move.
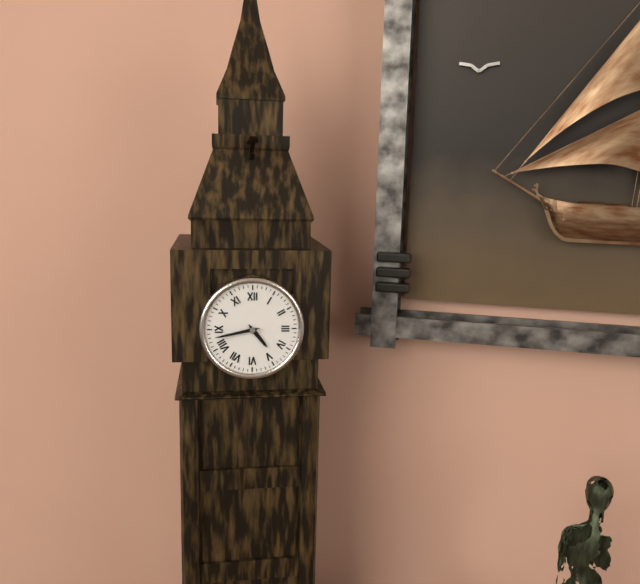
4:43
